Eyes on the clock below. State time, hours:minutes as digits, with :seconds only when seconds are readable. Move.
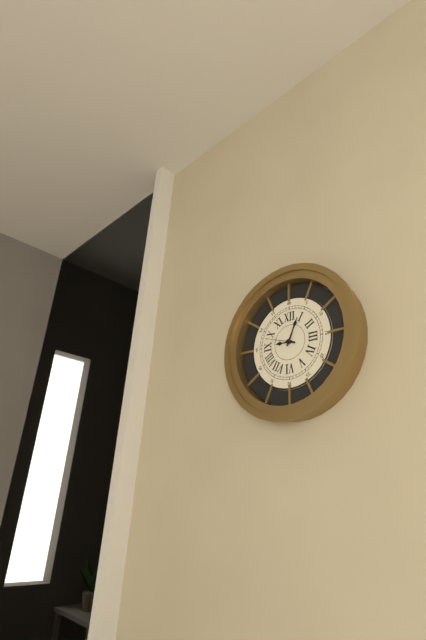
9:04
